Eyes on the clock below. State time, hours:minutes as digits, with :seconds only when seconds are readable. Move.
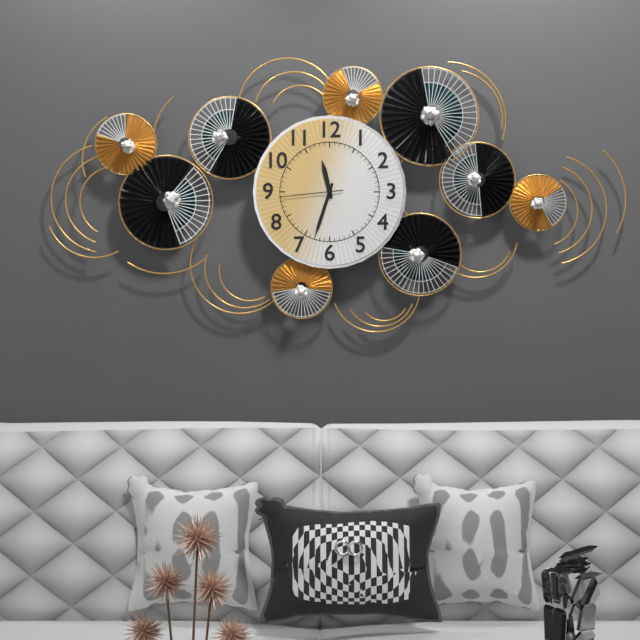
11:33:44
